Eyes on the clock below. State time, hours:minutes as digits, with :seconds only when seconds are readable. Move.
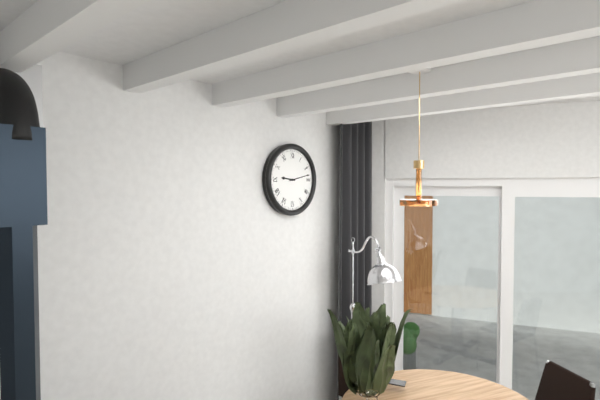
9:13
